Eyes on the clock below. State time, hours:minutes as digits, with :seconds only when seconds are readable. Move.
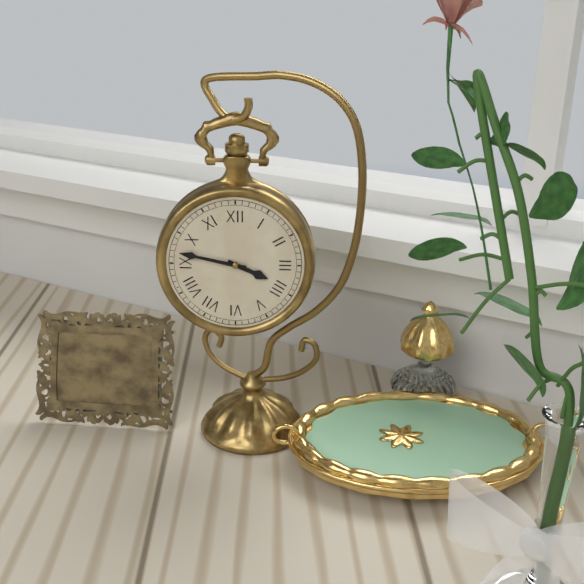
3:47
